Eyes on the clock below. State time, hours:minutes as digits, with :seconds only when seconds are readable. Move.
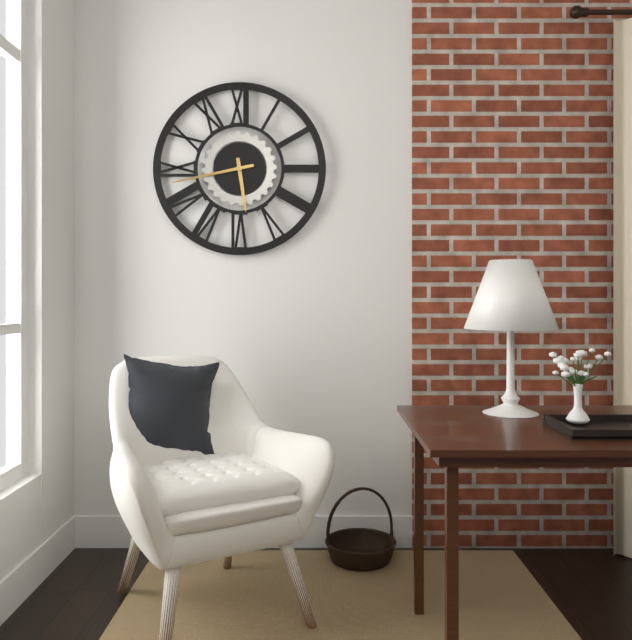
5:43
